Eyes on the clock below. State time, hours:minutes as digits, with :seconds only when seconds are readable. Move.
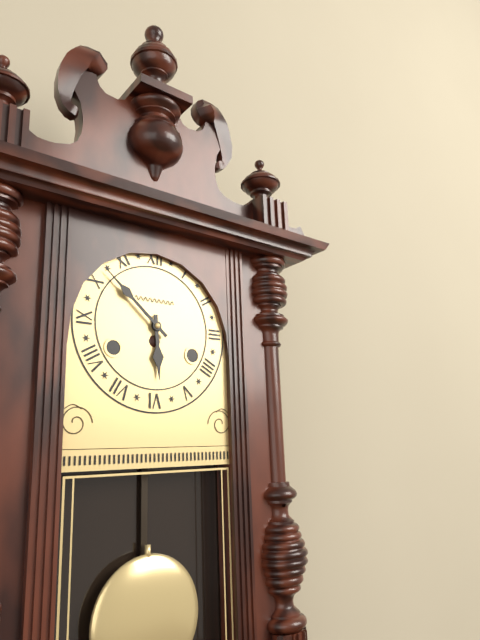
5:52
